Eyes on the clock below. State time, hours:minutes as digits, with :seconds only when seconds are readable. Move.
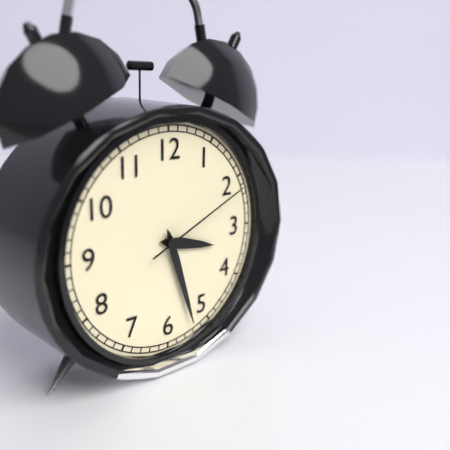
3:27:11
